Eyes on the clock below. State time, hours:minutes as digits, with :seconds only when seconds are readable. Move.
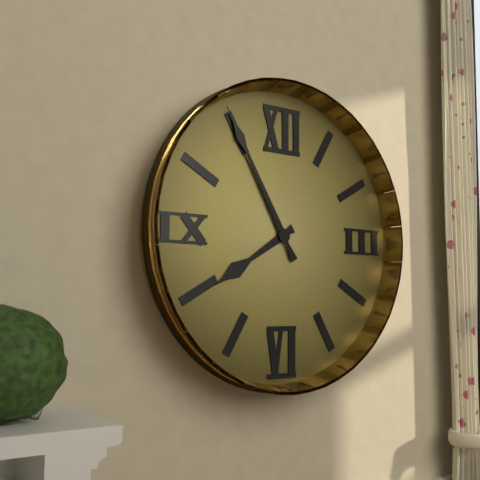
7:55
